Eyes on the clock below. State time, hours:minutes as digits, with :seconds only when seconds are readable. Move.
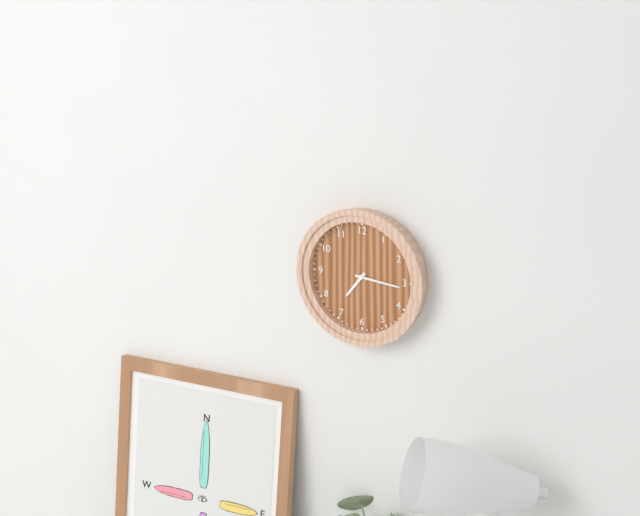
7:16
